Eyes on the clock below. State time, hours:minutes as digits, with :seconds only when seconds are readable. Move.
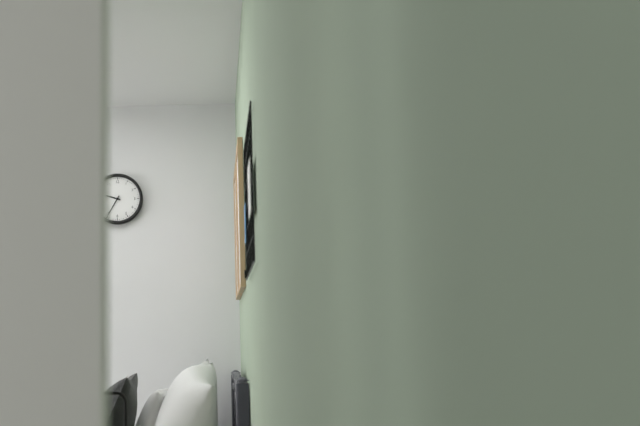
9:35
